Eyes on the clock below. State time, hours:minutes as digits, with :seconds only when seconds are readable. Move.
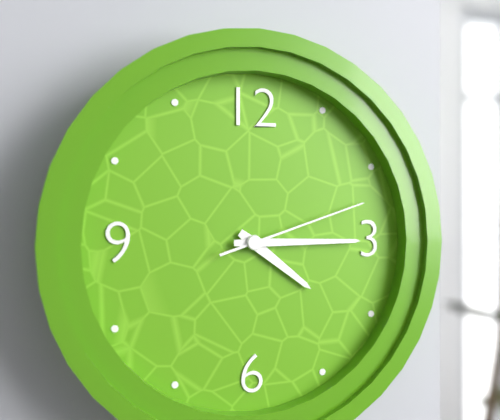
4:15:12
